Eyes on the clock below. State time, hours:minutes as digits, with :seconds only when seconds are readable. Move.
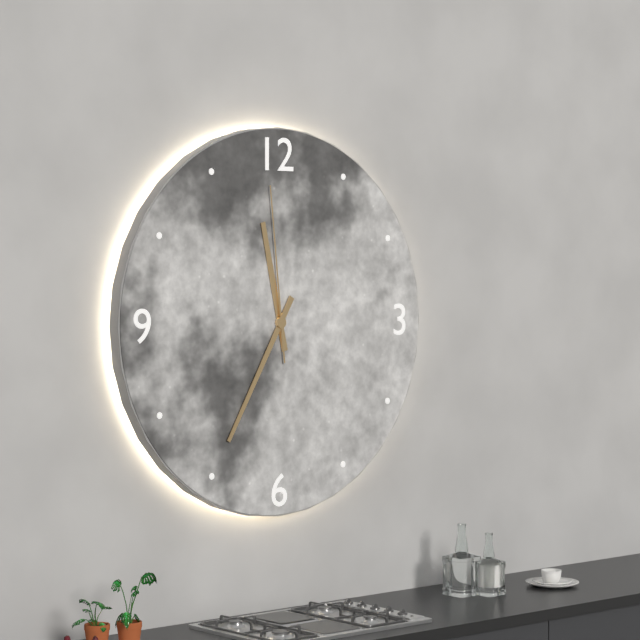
11:35:59
